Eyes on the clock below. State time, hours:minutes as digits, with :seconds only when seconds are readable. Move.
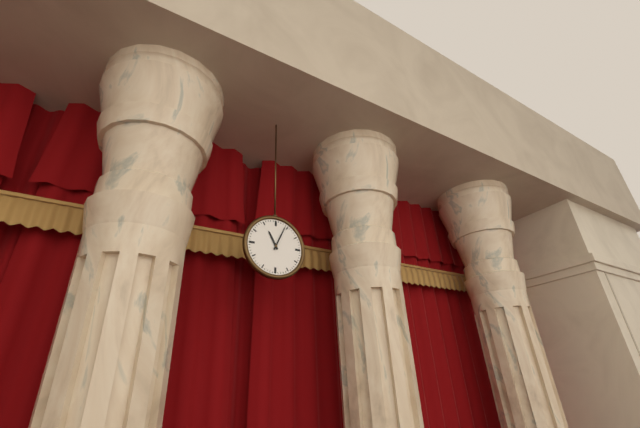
11:04
